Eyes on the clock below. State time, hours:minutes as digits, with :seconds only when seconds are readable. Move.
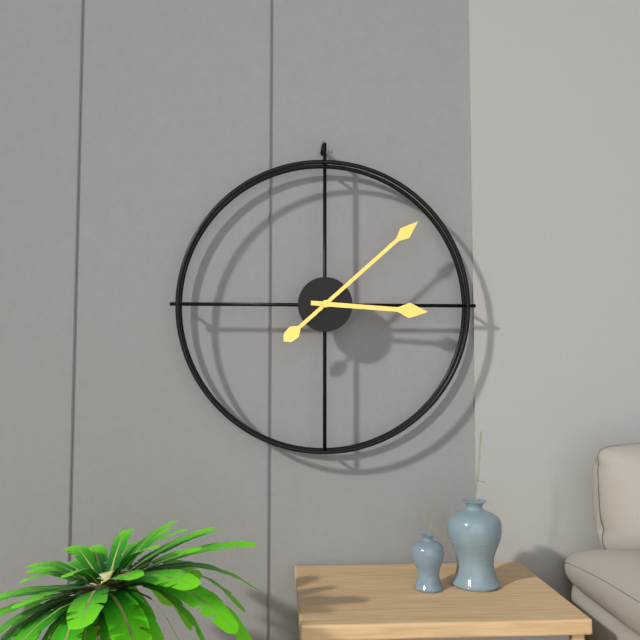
3:08
